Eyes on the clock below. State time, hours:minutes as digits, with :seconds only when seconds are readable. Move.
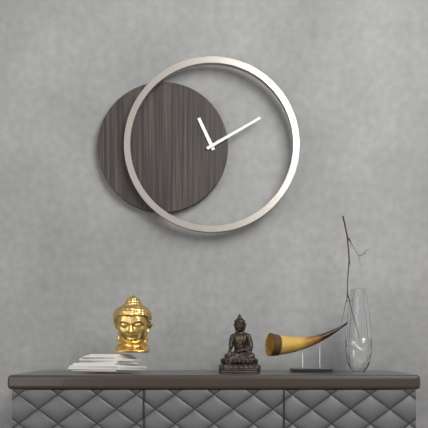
11:10
